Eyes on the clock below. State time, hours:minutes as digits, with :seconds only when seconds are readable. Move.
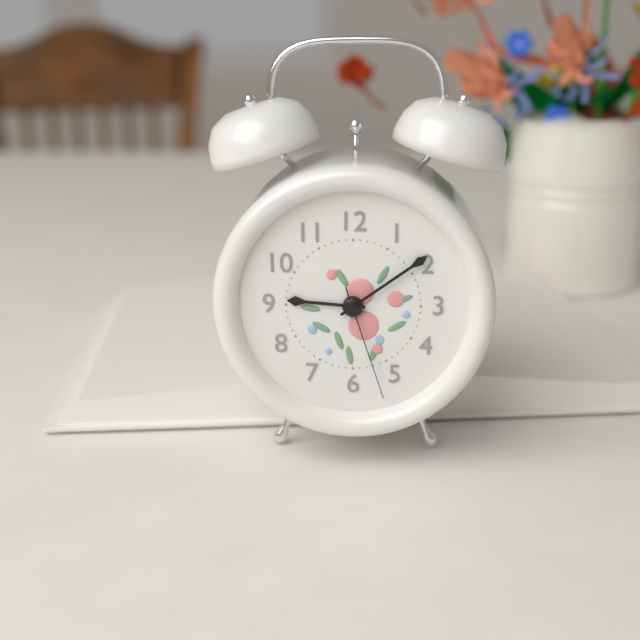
9:09:27
